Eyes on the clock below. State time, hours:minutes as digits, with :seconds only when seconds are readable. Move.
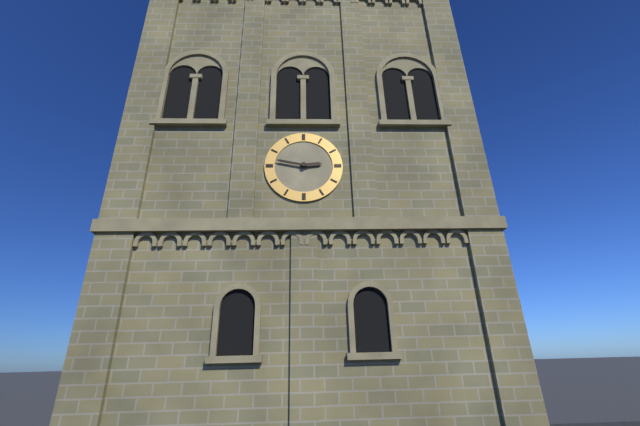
2:47
